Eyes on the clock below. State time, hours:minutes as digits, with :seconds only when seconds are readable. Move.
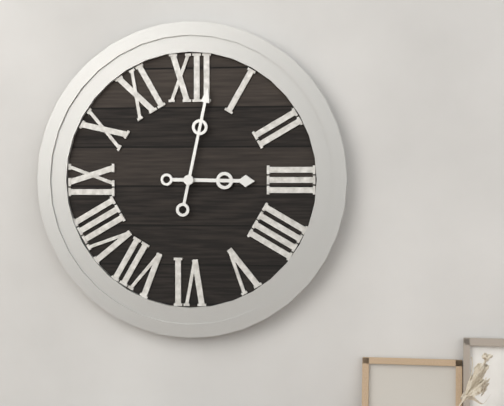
3:02
